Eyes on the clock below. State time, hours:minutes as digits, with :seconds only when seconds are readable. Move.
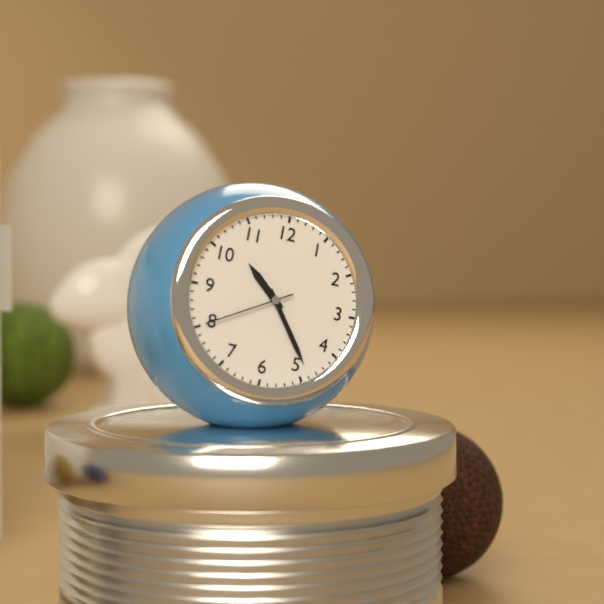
10:24:40
